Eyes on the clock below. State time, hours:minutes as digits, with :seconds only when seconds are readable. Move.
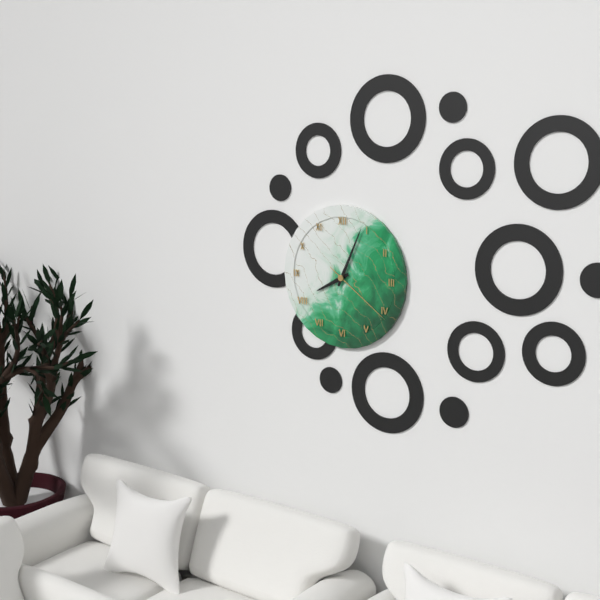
8:04:21
